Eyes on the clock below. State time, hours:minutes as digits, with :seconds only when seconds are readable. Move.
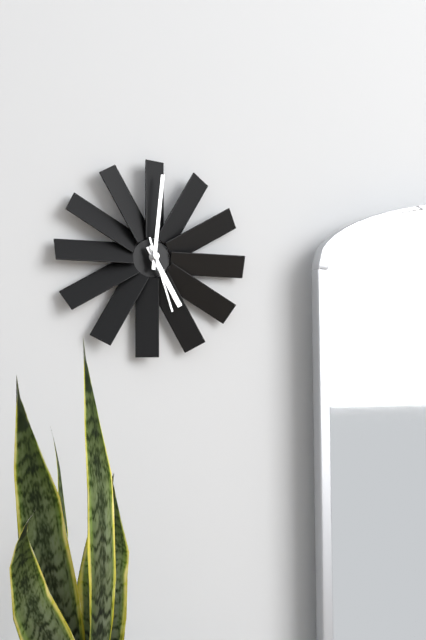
5:01:27
